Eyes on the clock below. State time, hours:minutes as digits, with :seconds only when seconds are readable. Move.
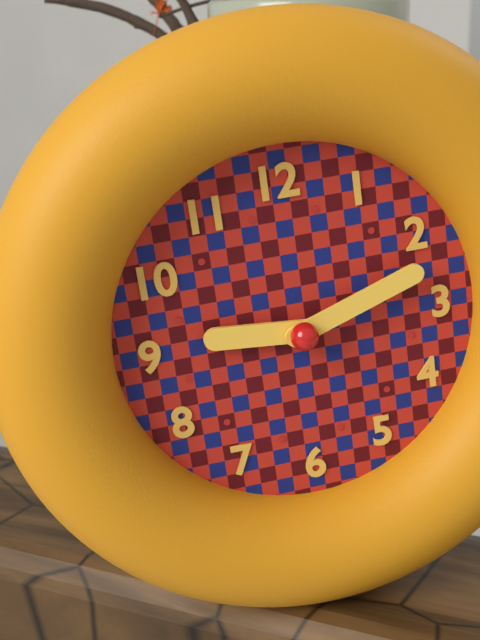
9:12
